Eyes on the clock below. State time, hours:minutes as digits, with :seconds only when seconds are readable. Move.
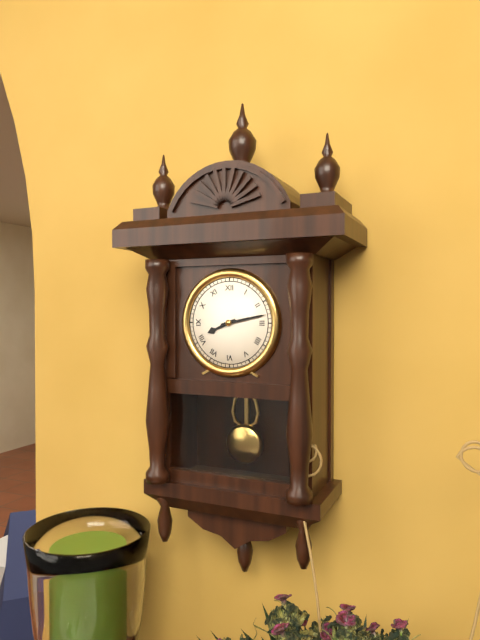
8:13
